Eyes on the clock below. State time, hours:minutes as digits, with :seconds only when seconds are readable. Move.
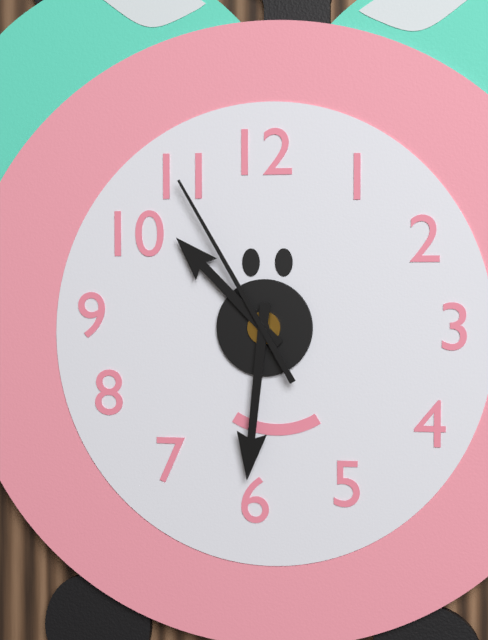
10:31:55
